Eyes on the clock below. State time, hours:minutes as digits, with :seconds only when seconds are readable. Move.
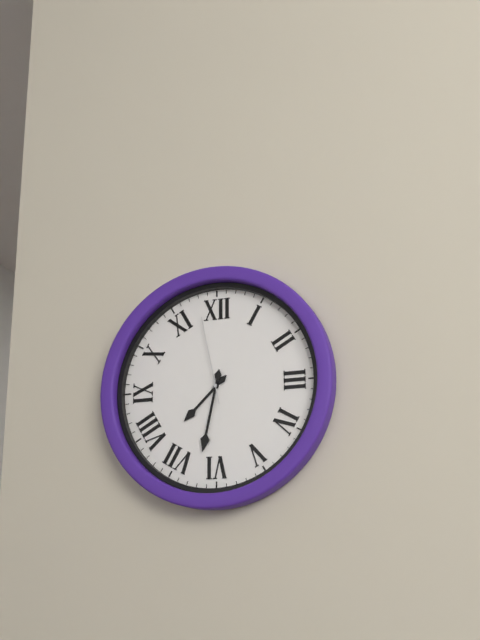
7:32:58
